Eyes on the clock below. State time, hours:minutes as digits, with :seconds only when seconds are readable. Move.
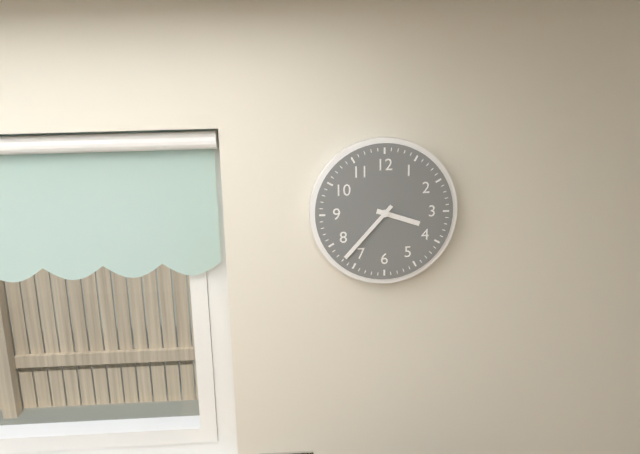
3:37
